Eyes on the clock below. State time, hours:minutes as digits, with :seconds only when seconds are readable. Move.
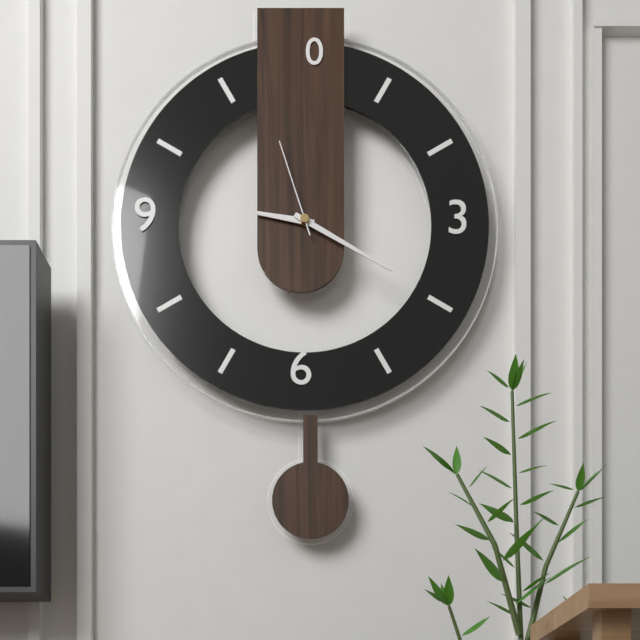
9:20:57
